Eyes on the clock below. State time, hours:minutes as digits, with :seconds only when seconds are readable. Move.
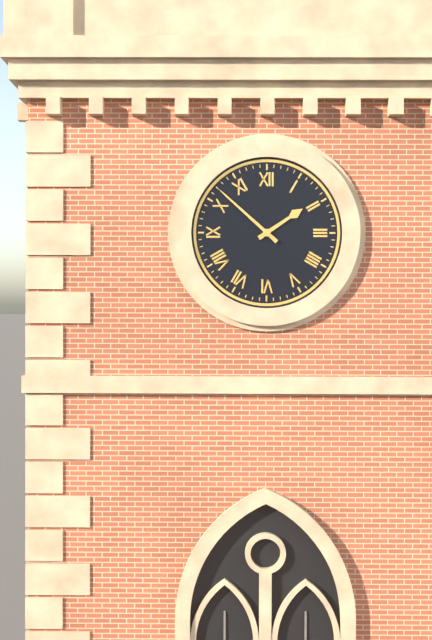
1:52
